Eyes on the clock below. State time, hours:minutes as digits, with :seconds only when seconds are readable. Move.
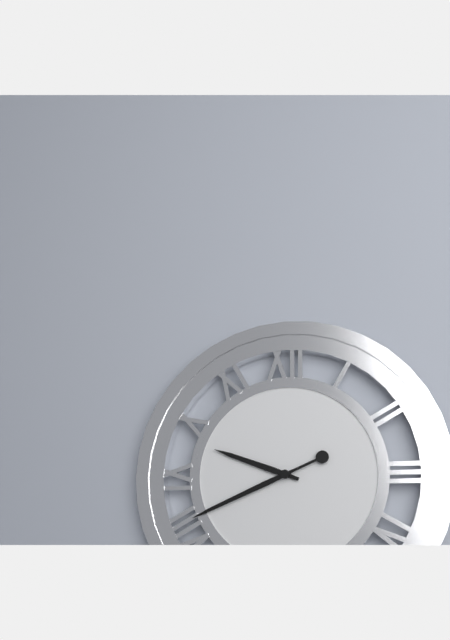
9:41
